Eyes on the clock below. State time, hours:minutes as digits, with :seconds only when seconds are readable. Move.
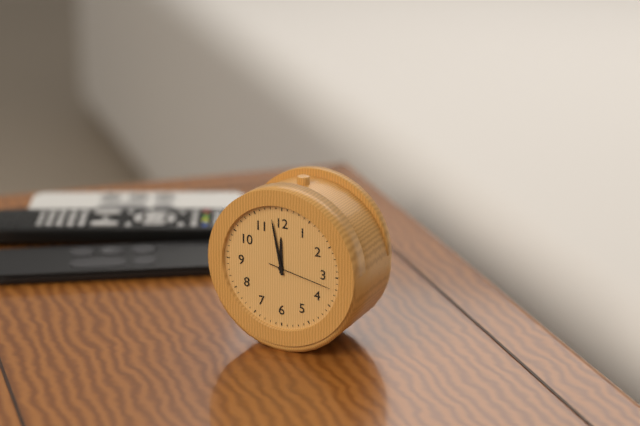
11:58:17
